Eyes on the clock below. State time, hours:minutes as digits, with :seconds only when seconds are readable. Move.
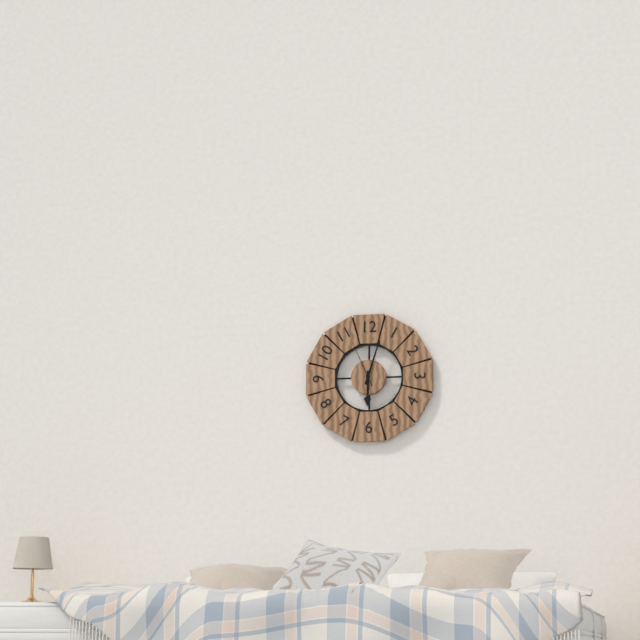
6:03
